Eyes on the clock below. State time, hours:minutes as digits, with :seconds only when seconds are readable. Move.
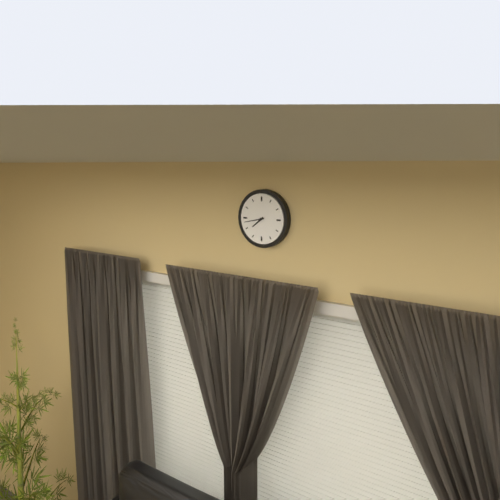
7:43
